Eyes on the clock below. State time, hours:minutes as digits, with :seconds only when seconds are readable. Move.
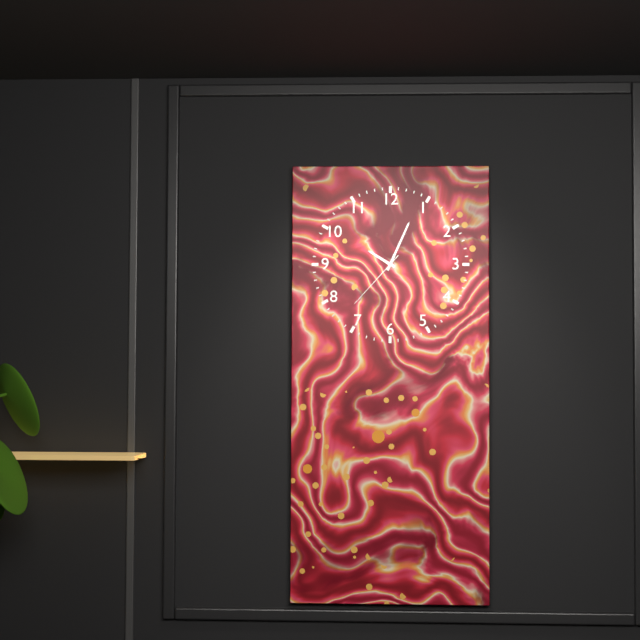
10:04:37
